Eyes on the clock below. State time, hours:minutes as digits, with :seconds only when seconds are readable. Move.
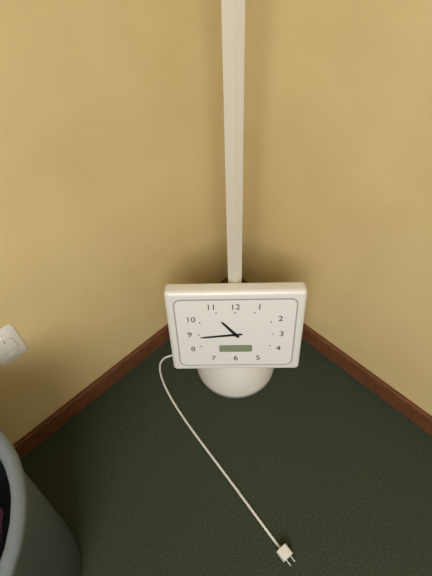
10:44
